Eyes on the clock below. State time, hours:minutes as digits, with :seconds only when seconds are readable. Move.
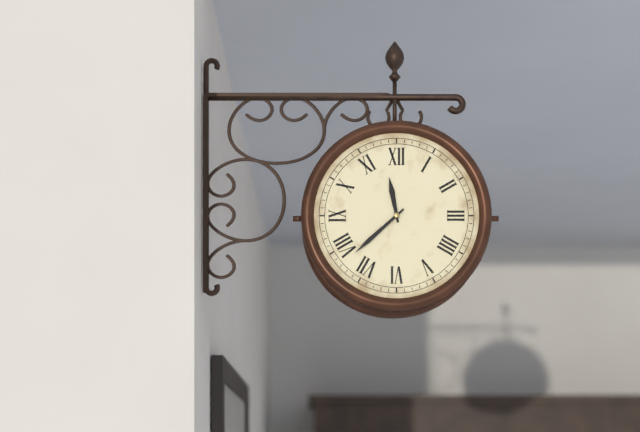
11:38
